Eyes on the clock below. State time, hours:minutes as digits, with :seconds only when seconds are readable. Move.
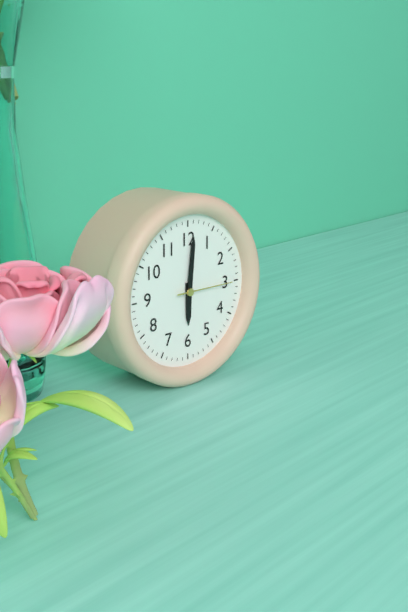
6:01:15
